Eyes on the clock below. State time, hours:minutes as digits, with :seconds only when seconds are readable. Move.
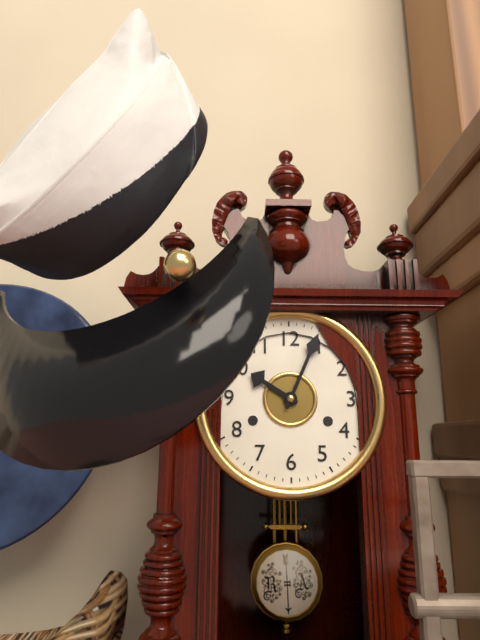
10:04
